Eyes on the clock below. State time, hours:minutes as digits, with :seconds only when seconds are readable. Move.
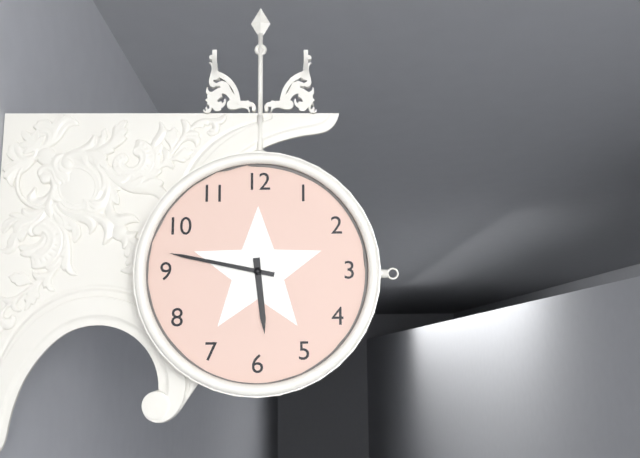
5:47
